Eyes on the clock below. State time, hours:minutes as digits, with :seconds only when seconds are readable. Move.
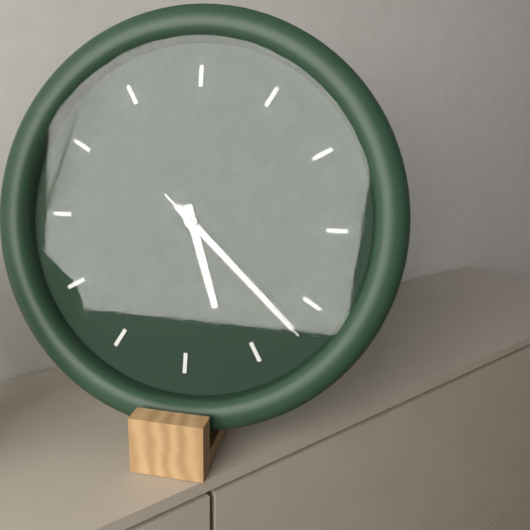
5:22:22
